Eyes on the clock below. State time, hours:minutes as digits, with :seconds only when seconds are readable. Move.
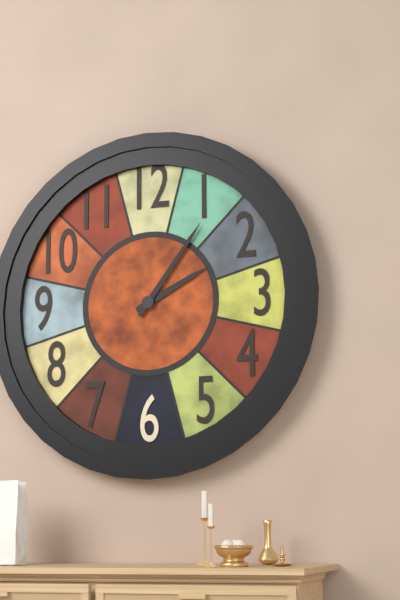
2:06
